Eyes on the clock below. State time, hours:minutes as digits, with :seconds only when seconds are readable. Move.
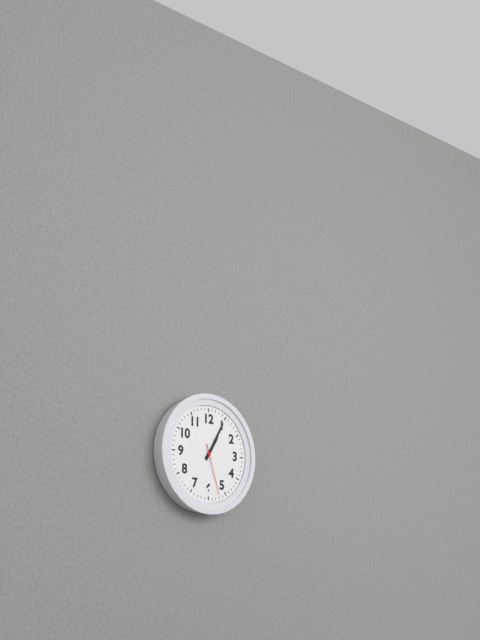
1:05:27
